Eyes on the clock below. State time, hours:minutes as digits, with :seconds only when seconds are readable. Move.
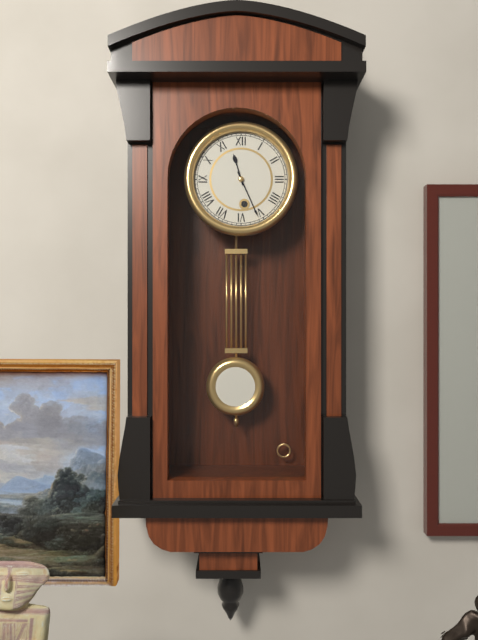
11:26
